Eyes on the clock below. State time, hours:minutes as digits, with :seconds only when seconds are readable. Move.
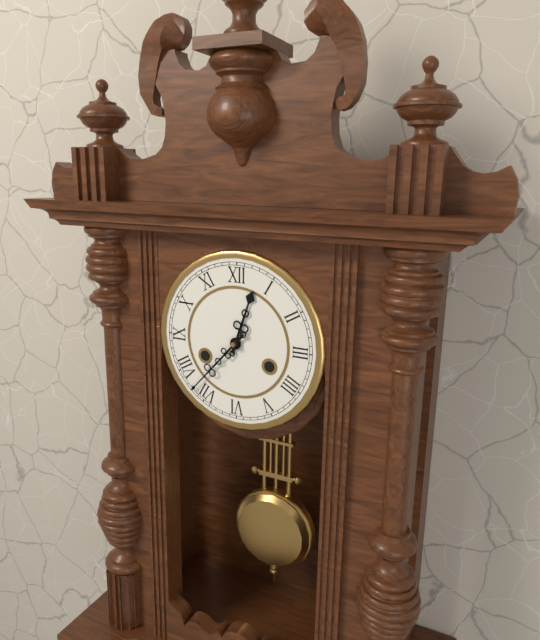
12:37
